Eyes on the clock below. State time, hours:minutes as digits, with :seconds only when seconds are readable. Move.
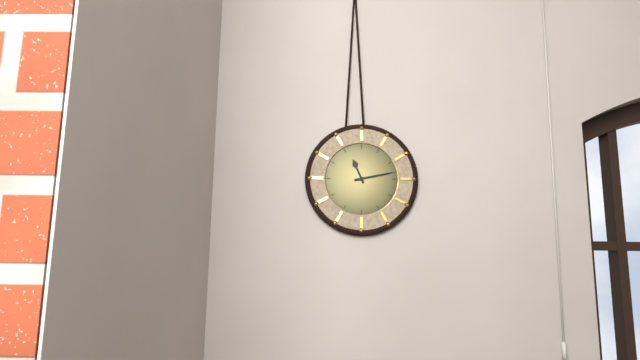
11:13
